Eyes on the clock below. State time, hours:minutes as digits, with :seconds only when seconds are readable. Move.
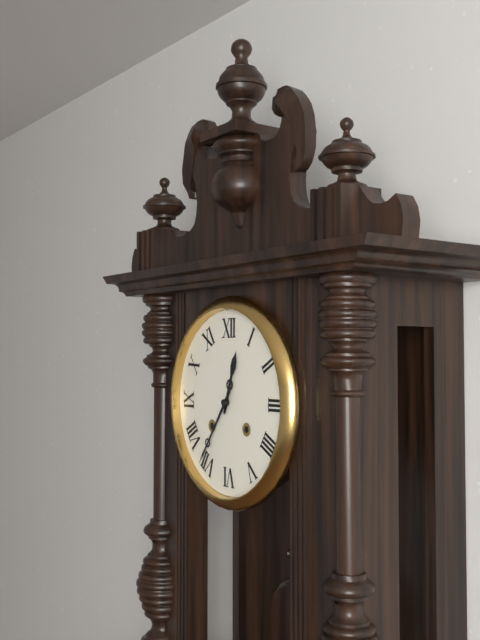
12:36
